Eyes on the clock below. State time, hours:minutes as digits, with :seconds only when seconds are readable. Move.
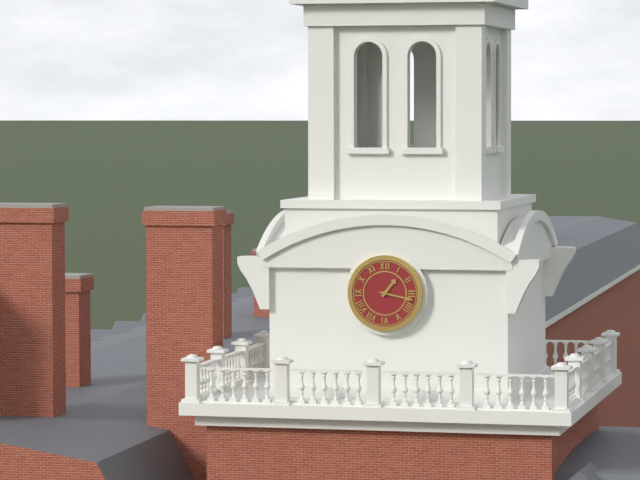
1:17
